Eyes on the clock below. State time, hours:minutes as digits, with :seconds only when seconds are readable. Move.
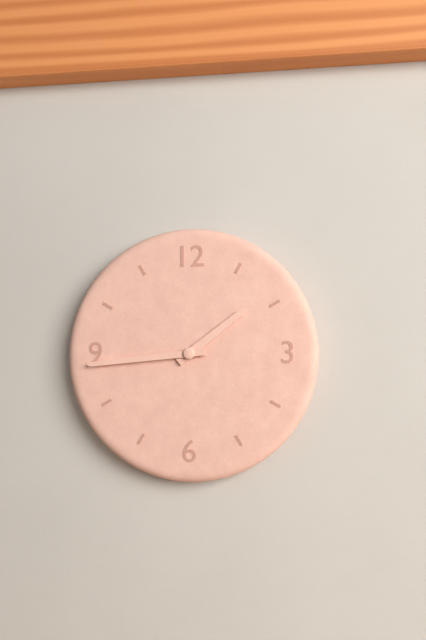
1:44
